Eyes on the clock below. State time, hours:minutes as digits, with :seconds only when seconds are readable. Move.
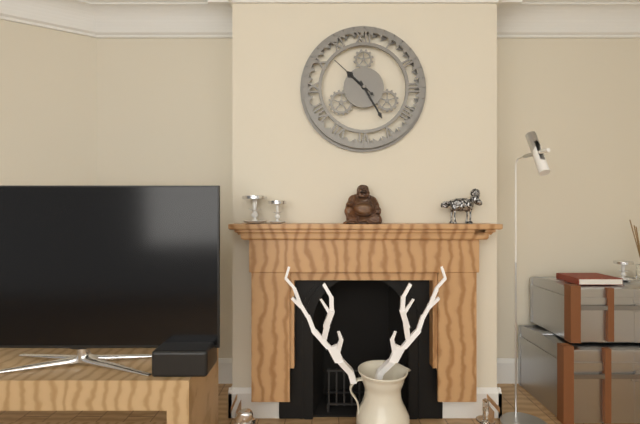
10:25:52
